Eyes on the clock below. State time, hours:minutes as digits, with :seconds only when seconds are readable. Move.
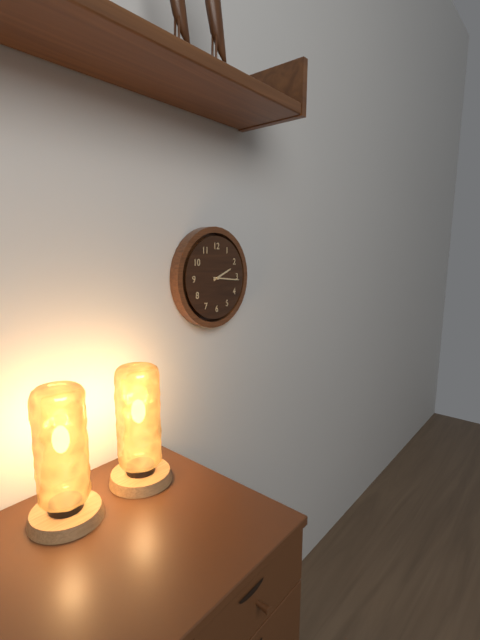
2:16
